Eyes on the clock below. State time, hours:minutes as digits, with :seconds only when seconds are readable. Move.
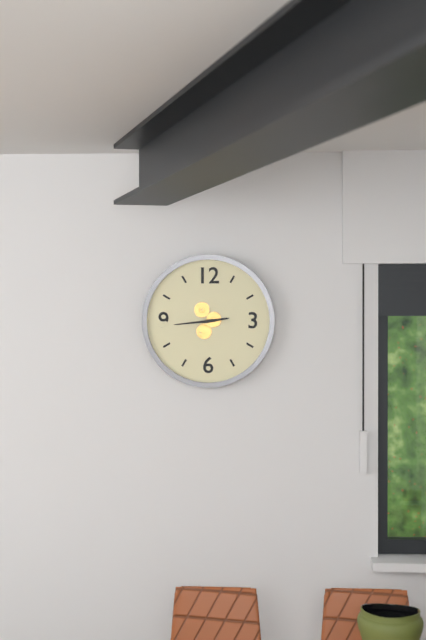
2:44
